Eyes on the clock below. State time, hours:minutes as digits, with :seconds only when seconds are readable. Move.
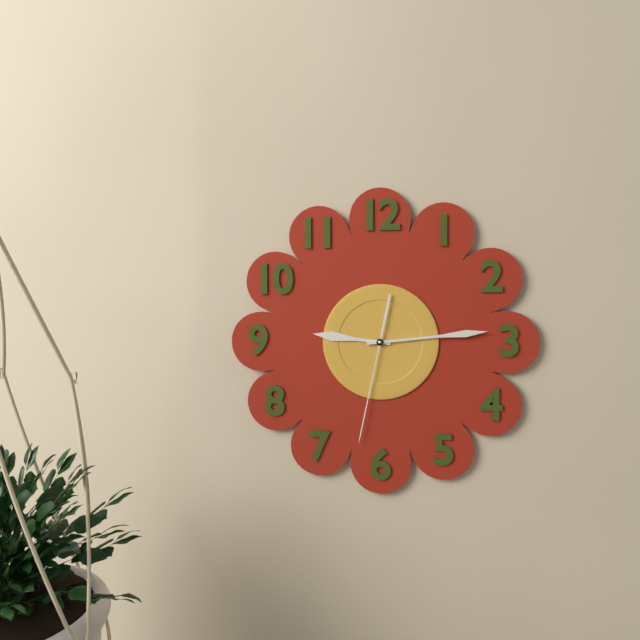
9:14:32
